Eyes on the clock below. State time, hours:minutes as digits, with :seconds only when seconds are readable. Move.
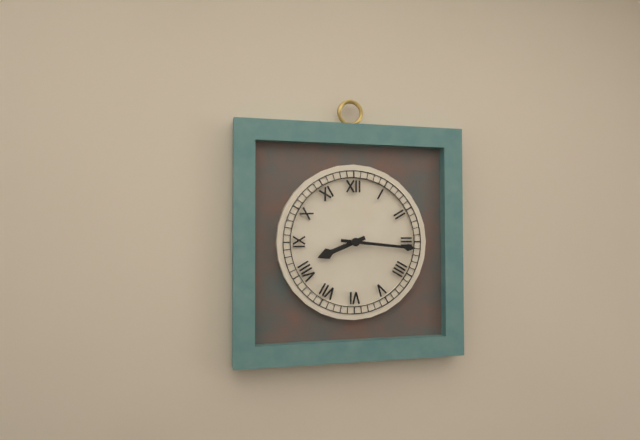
8:16
